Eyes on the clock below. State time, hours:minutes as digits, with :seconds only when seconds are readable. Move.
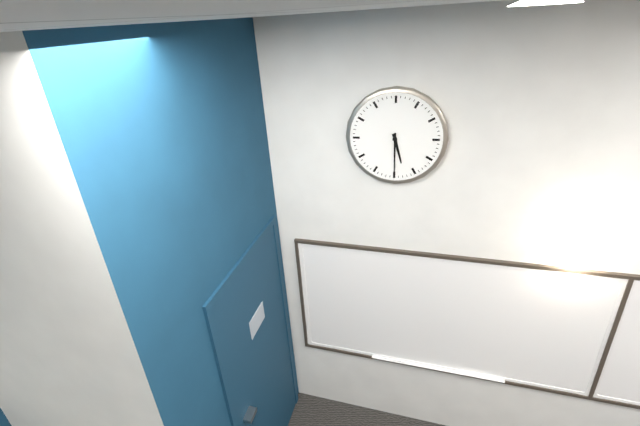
5:30
